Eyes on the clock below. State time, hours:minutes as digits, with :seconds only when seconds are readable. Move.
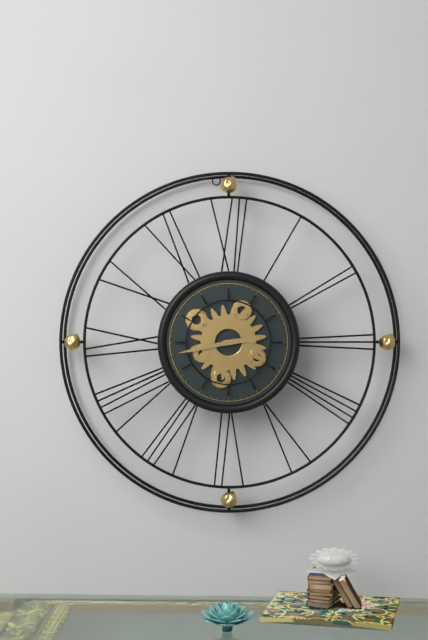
2:43
